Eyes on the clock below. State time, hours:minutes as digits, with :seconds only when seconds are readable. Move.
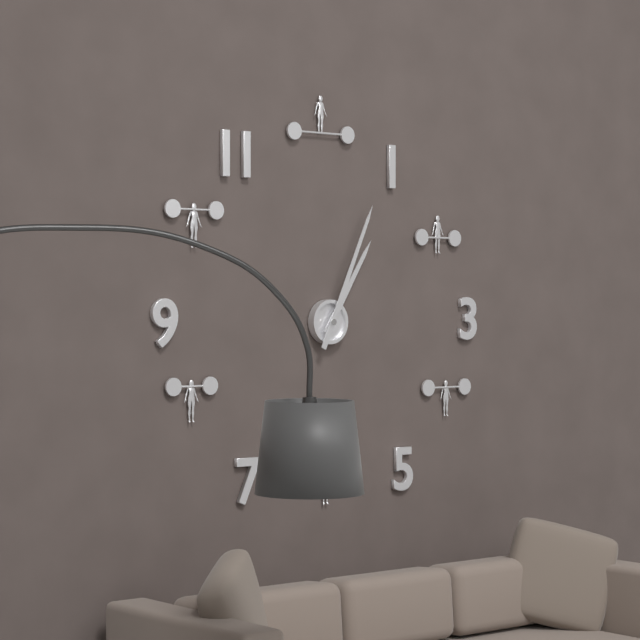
1:04
